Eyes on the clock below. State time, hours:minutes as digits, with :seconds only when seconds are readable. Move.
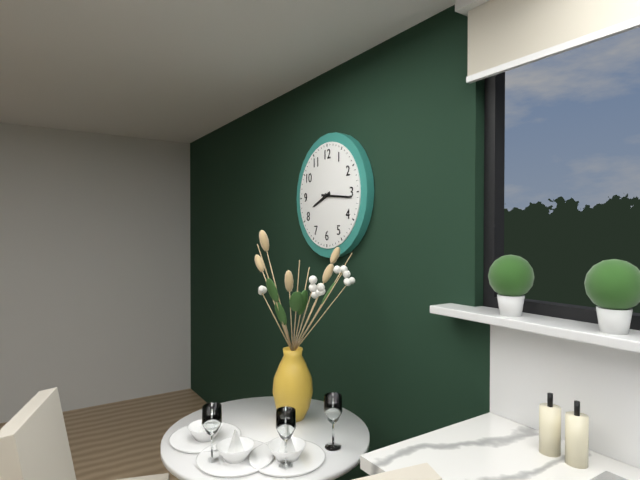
8:16
